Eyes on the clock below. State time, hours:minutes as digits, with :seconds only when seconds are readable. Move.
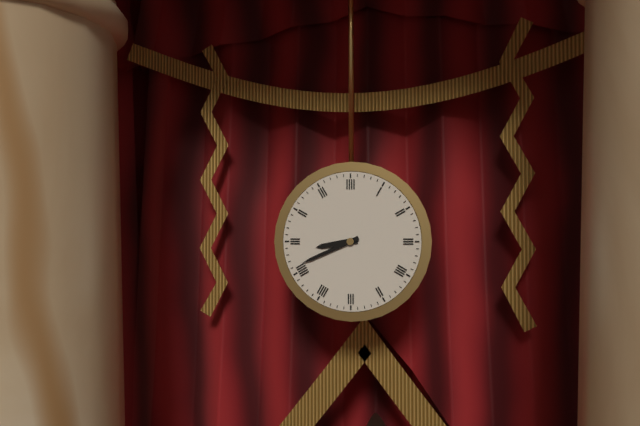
8:41
